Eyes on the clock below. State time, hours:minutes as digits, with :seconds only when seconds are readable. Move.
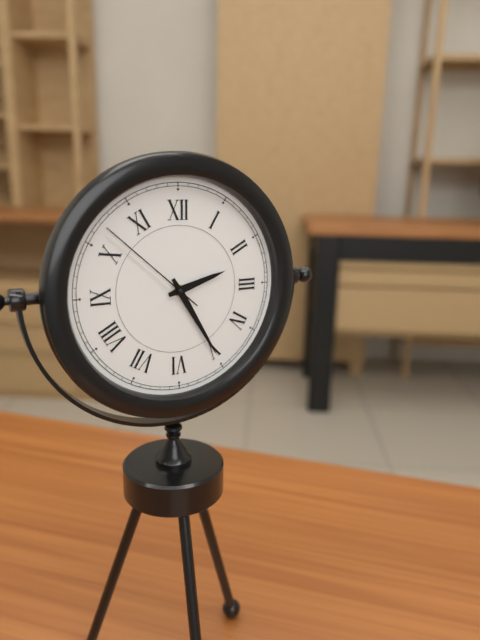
2:25:52
